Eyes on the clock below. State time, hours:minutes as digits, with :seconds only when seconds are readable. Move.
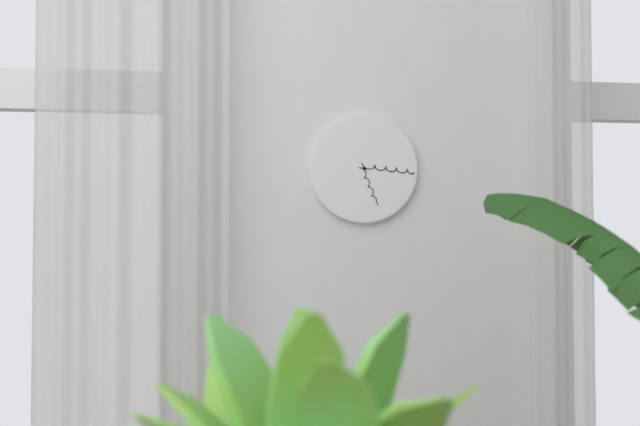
5:16
